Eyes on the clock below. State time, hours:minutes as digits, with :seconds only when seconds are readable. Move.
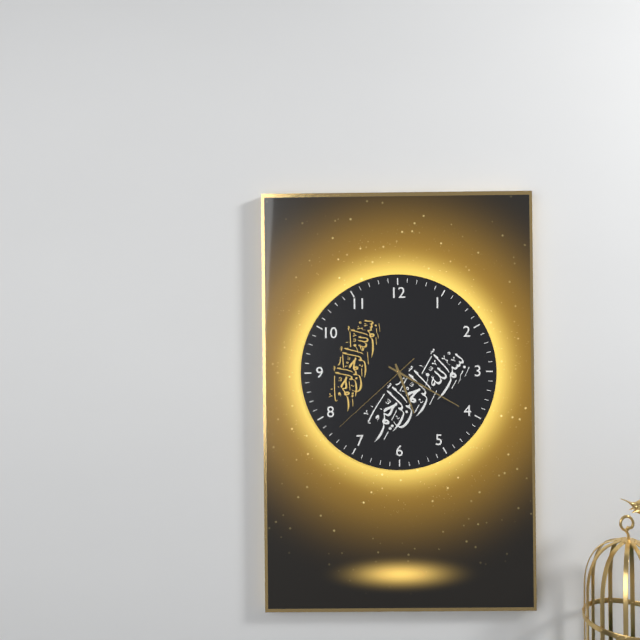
5:20:38
